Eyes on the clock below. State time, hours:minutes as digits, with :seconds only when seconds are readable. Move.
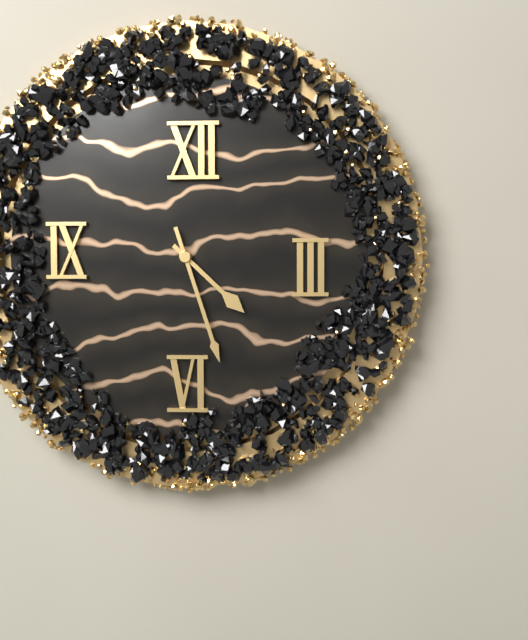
4:27
